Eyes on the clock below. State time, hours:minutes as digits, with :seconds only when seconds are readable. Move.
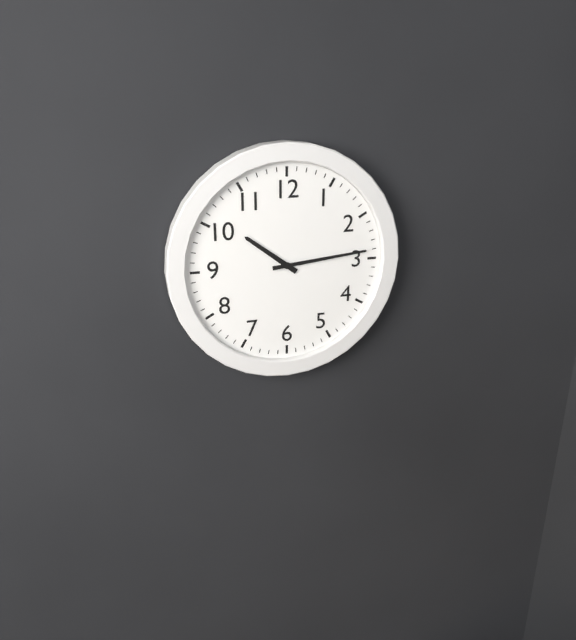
10:14
